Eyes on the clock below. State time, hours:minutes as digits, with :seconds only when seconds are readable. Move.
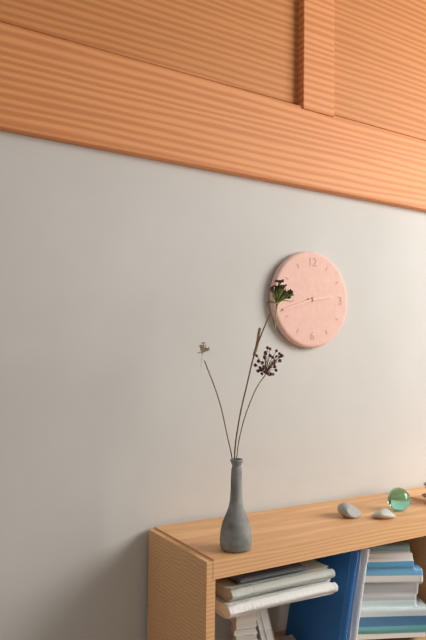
2:42
